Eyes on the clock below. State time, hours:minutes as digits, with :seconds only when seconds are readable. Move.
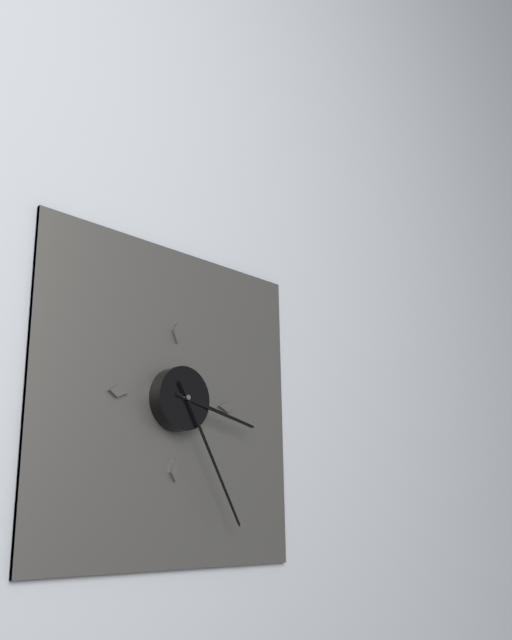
3:25
